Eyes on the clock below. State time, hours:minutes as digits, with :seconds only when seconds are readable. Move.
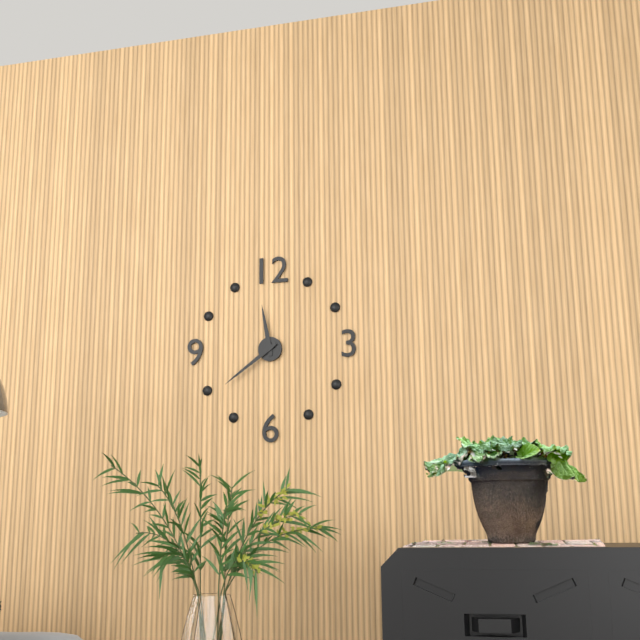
11:39
